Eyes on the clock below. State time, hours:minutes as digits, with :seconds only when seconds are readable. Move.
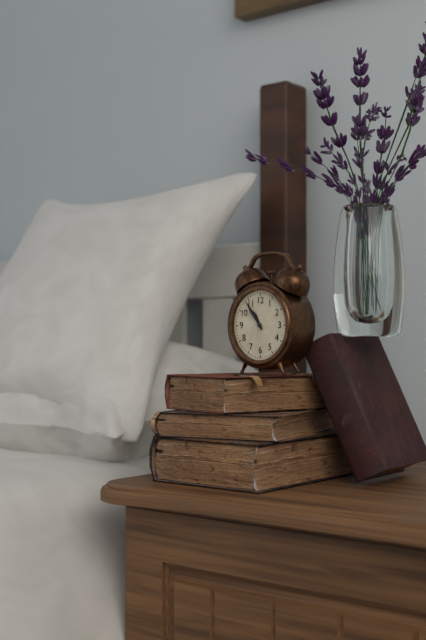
10:54
